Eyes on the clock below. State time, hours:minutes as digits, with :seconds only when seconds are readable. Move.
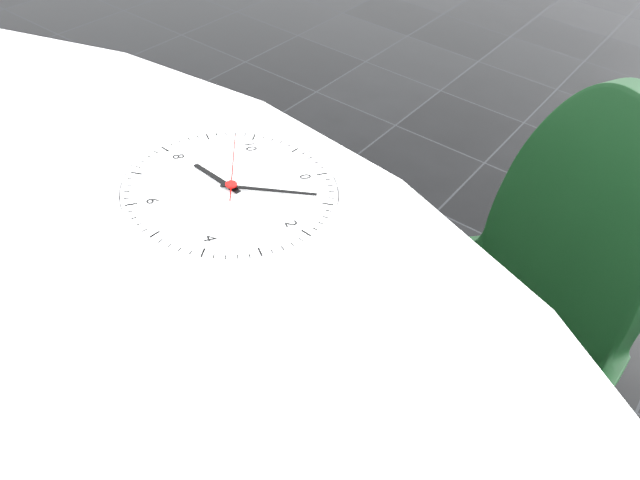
8:04:48
